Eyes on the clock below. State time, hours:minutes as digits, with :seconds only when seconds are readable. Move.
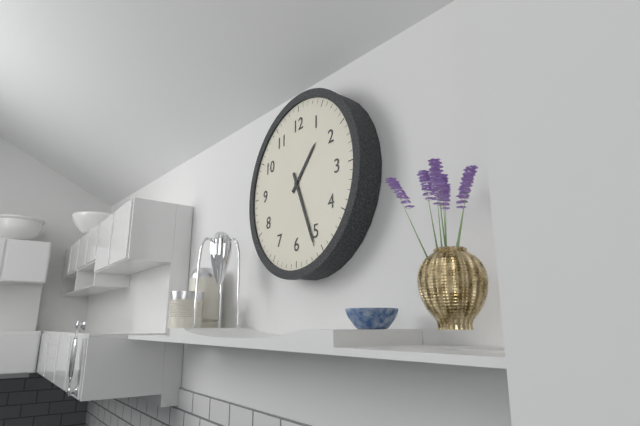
1:26
